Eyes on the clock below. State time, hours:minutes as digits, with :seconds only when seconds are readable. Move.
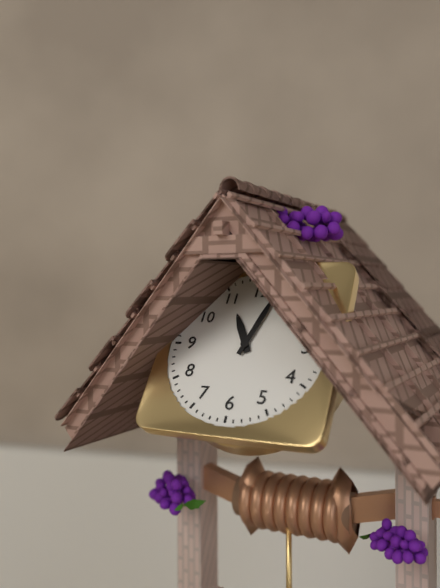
11:03
